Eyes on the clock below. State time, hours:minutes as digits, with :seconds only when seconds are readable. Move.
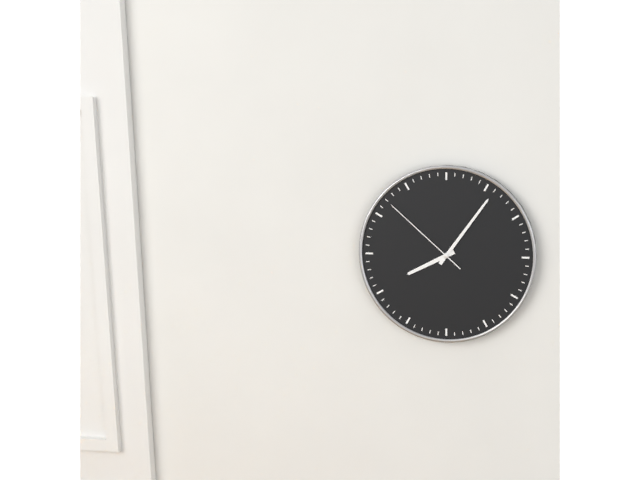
8:06:52
